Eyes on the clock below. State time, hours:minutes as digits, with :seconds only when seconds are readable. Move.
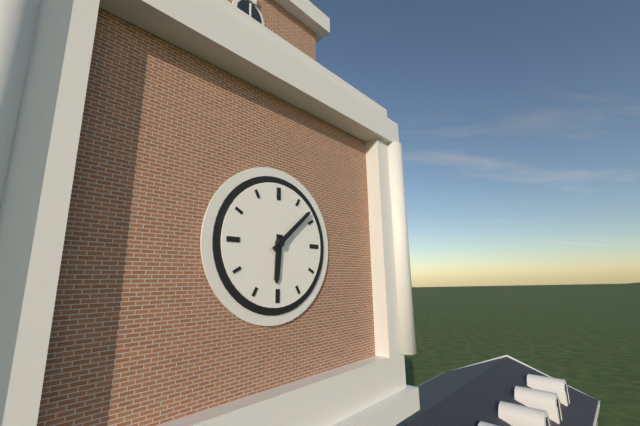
6:08
